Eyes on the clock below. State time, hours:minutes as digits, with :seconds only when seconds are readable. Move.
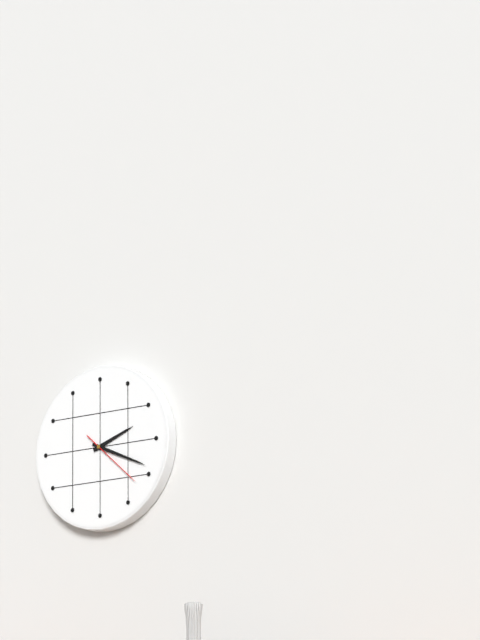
2:19:22
